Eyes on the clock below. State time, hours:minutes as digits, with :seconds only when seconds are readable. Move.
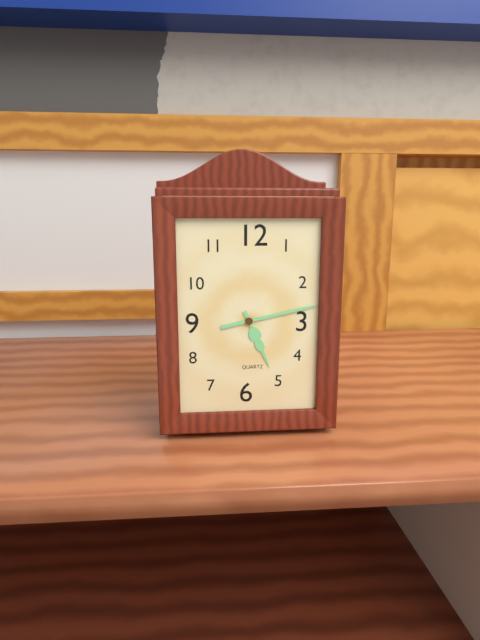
5:13
